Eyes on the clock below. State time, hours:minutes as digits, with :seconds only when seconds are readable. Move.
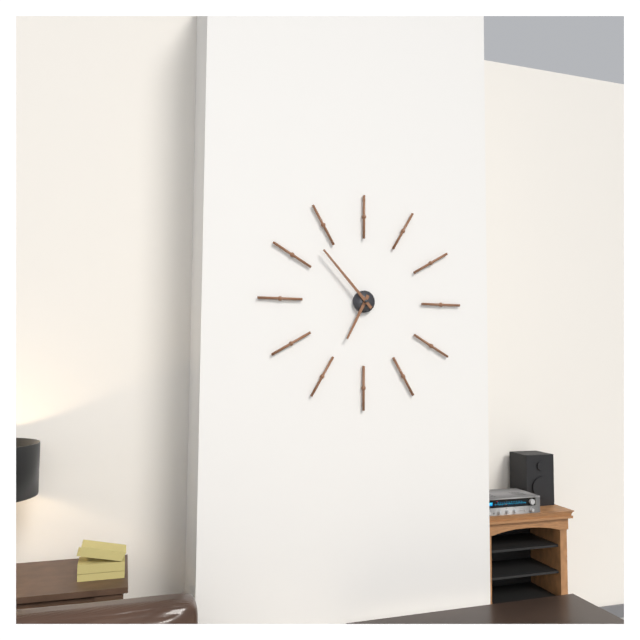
6:53
